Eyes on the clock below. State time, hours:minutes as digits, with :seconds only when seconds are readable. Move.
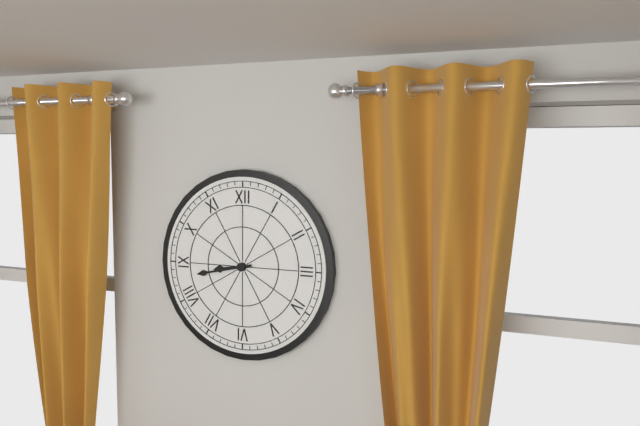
8:43
